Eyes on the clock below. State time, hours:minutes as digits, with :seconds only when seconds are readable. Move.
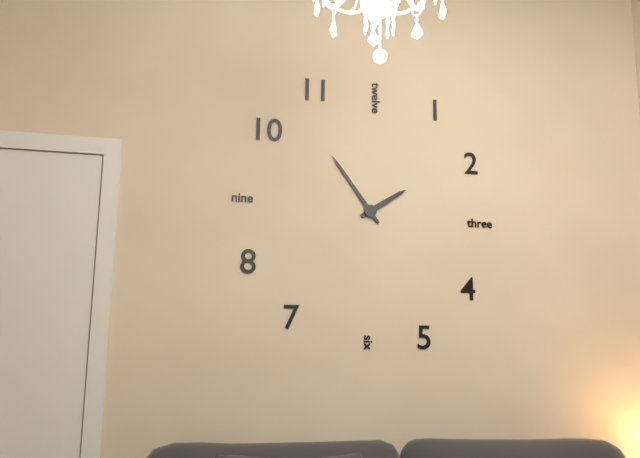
1:54
